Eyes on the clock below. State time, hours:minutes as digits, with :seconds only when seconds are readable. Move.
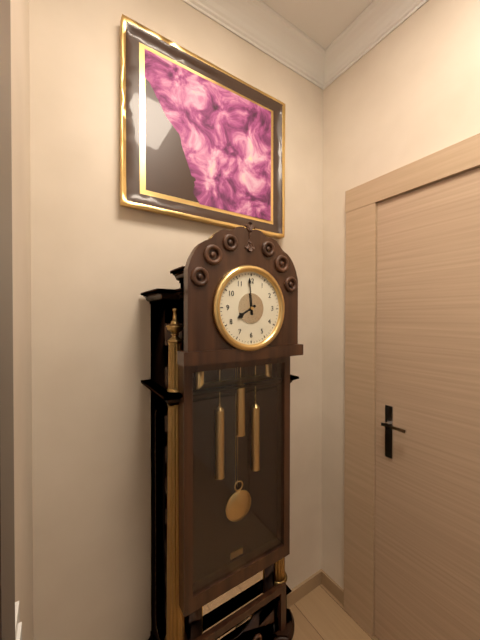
7:59
